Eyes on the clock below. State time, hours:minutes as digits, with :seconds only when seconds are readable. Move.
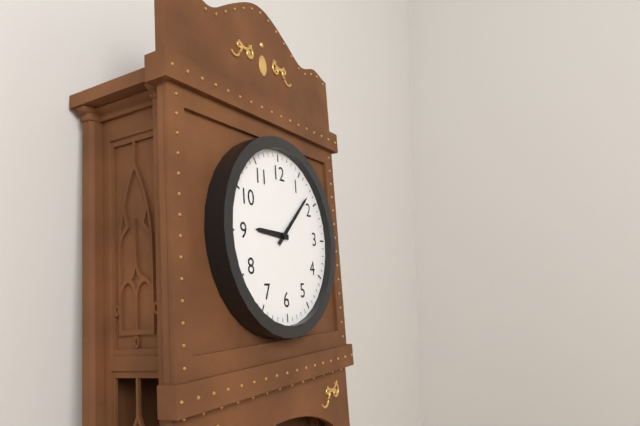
9:08
